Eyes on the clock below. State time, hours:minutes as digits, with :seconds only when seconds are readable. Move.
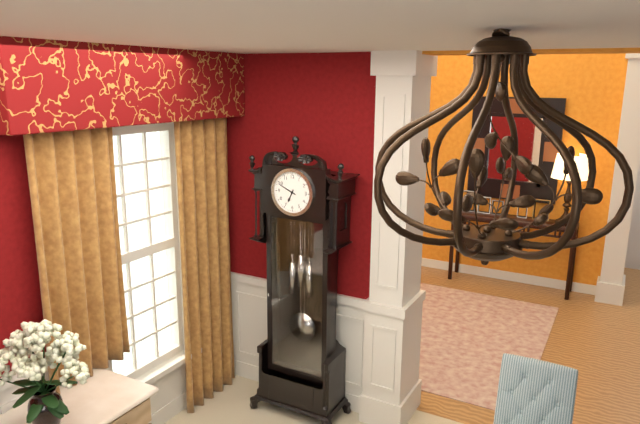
6:49
